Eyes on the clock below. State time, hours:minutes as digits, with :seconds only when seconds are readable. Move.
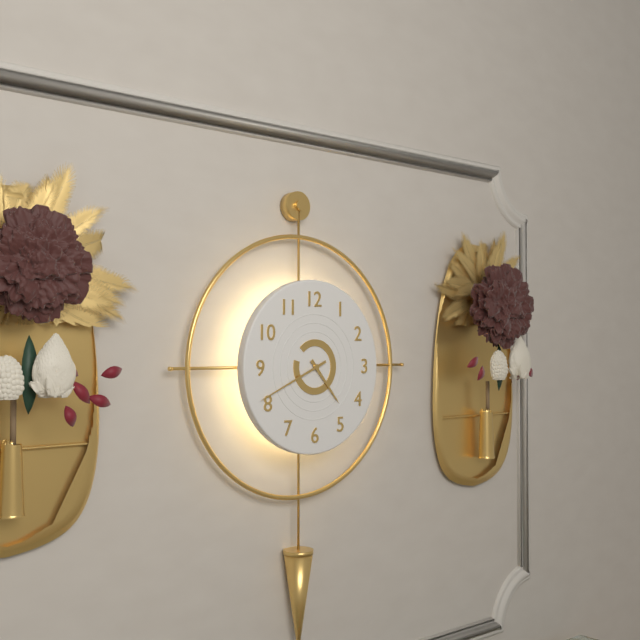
4:41
